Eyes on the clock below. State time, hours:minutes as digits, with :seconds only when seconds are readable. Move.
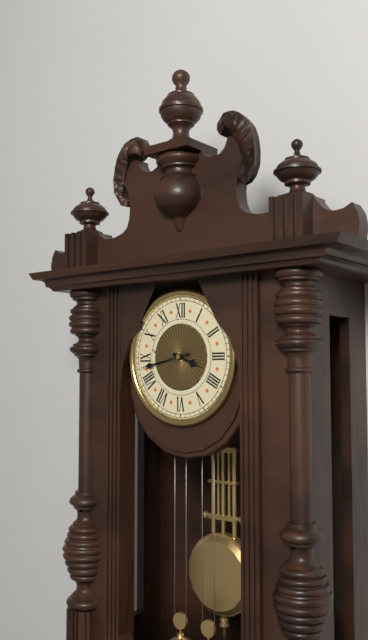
3:43
